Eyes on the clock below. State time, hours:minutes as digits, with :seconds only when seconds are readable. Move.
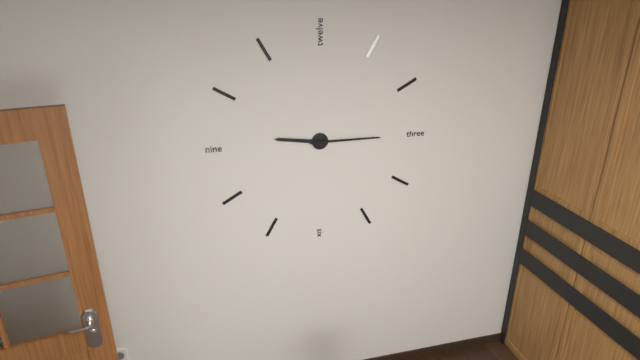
9:15
